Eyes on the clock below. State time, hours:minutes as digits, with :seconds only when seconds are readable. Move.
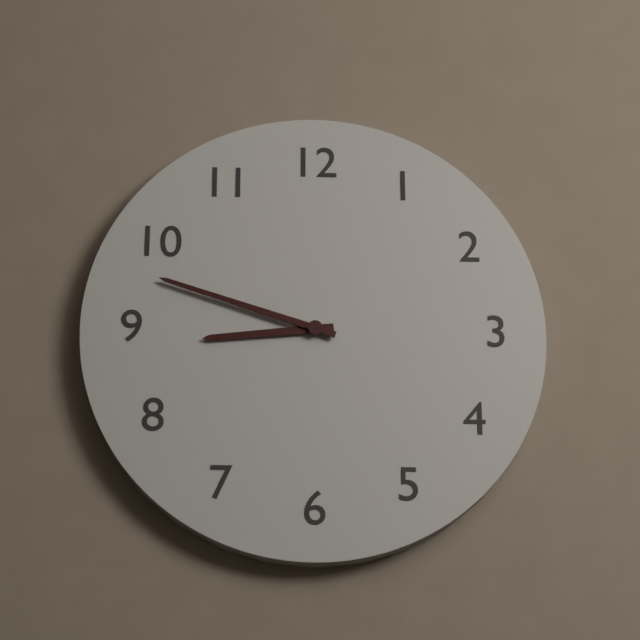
8:48
